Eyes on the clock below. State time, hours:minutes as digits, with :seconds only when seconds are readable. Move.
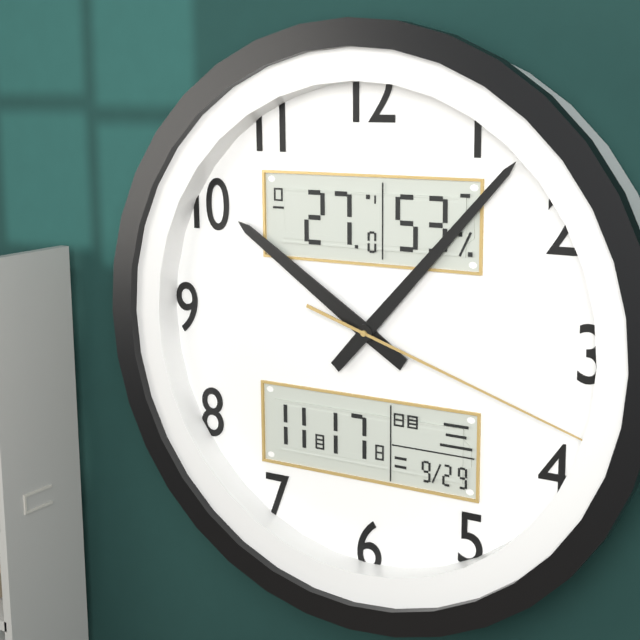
10:07:18
